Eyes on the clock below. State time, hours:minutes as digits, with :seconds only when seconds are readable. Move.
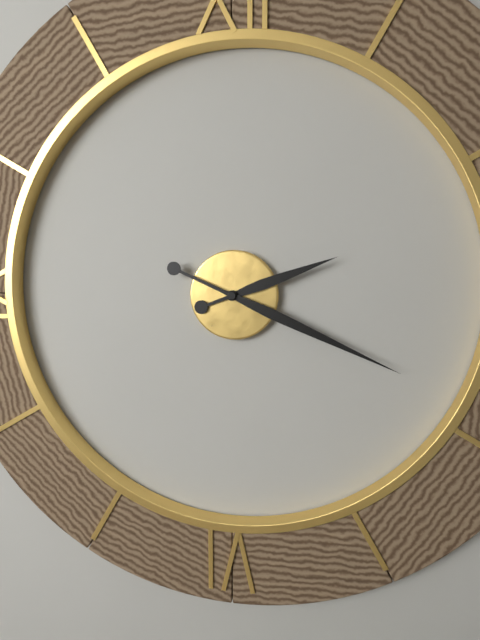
2:19
